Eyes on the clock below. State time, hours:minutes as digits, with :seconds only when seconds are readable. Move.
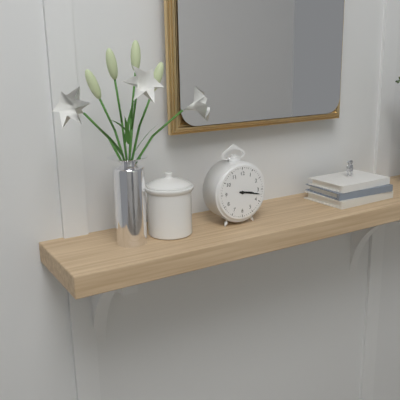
3:17
